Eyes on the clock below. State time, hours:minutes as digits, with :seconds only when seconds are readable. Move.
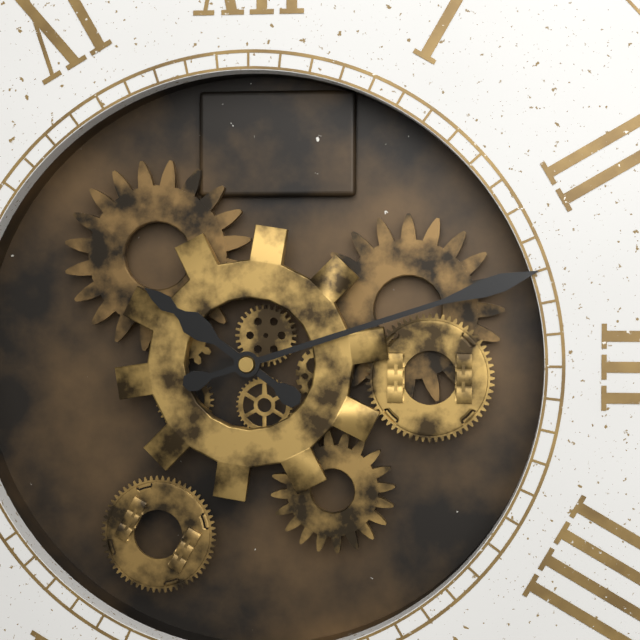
10:12
